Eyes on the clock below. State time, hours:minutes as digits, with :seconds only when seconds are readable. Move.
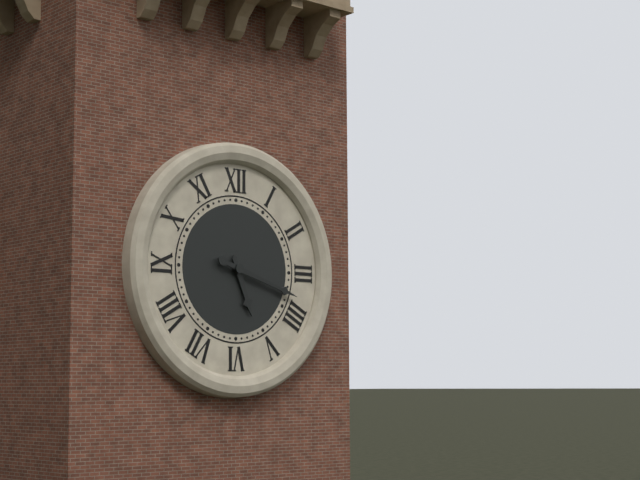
5:18
